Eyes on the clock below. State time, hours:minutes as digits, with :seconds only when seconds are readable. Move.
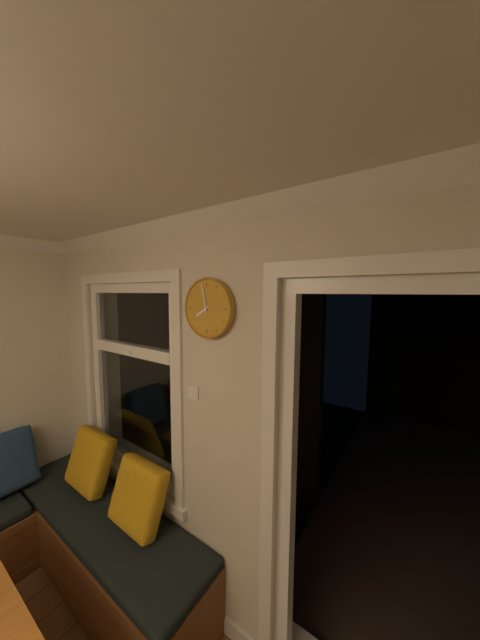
7:58
